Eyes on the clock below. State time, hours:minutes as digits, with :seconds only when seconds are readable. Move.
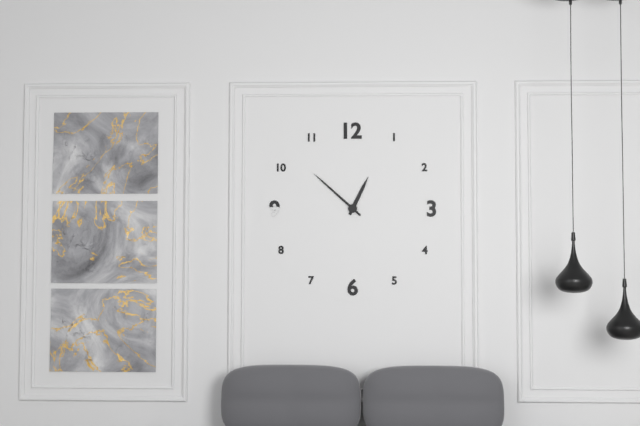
12:52
